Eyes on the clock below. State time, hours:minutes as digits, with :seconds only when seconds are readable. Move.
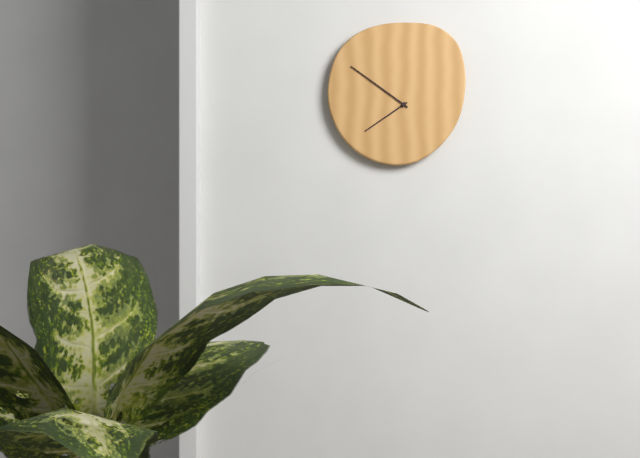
7:51
